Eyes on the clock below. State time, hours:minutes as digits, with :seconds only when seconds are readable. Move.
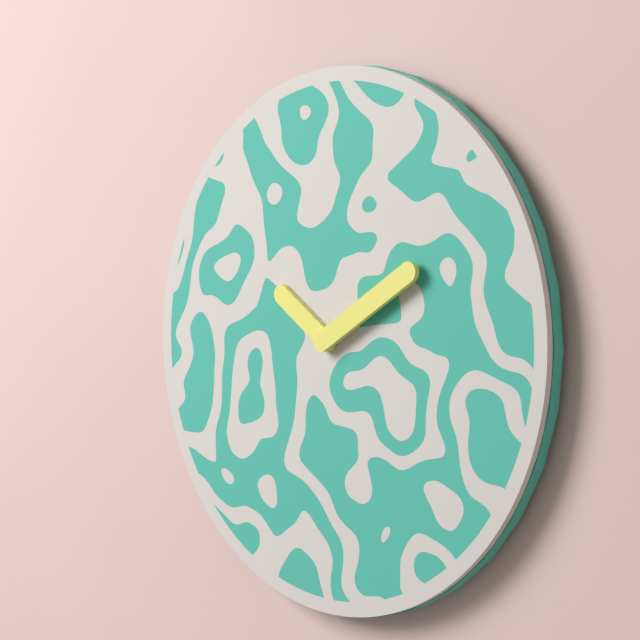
10:10
